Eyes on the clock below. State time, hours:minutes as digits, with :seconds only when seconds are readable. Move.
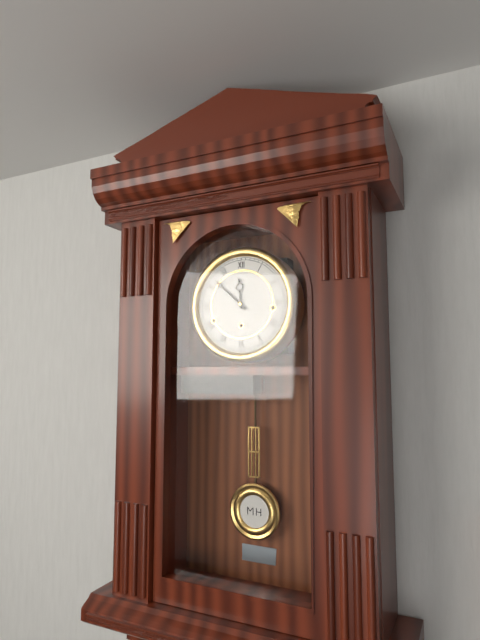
11:52
